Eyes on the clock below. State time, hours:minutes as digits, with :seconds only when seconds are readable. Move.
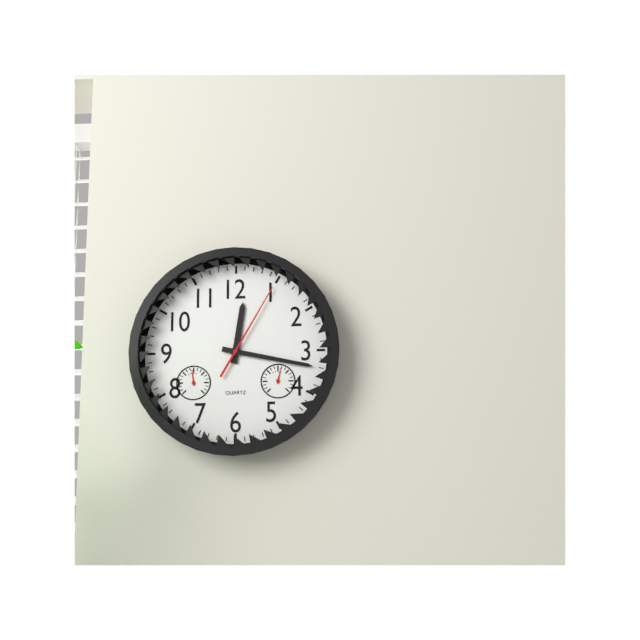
12:17:05
